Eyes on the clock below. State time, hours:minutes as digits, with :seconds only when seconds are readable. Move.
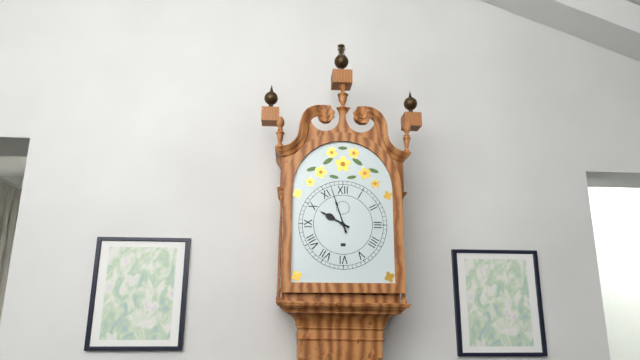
9:57
